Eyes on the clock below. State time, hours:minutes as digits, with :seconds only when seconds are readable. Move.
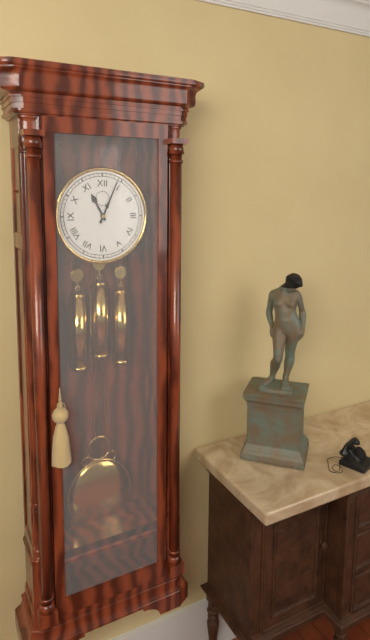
11:04
